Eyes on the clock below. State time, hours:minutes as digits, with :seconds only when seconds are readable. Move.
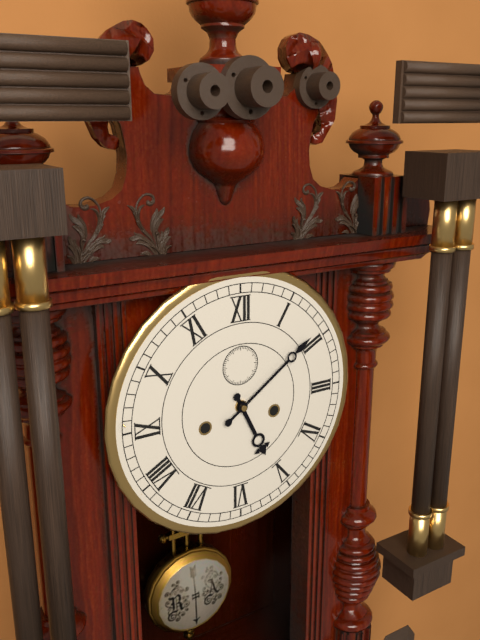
5:09
